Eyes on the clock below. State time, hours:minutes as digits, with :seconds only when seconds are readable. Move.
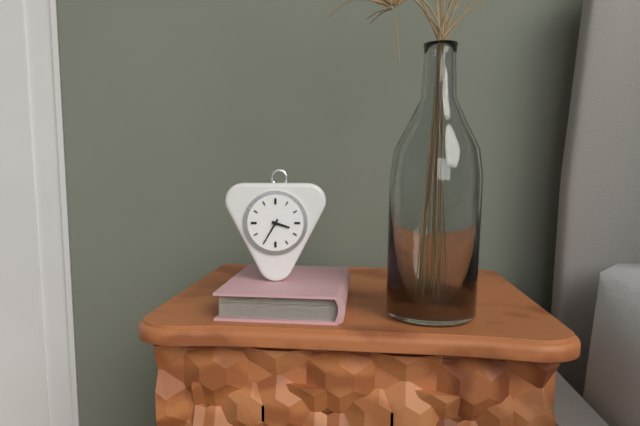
3:35
